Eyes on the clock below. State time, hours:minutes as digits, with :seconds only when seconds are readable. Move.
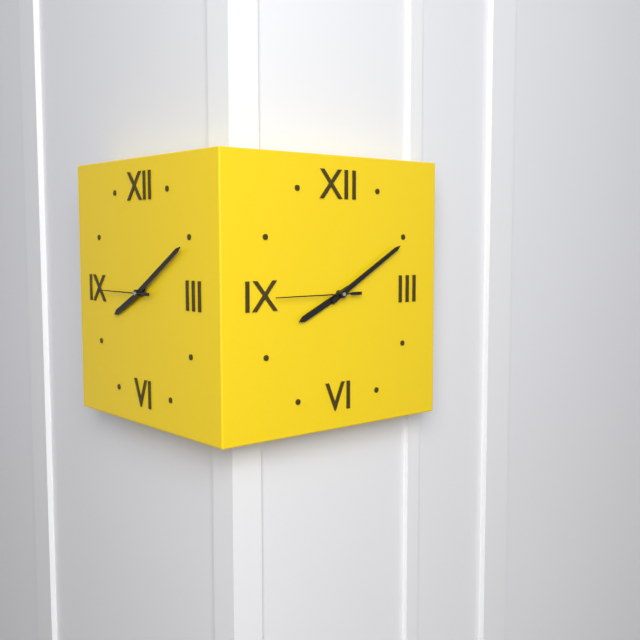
8:10:45
